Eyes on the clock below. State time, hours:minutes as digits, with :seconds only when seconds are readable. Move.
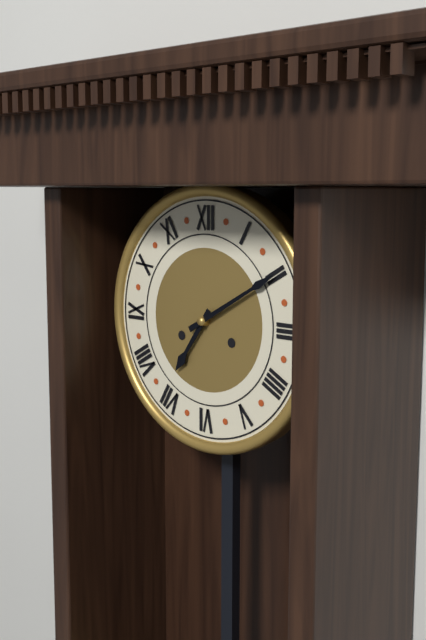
7:10
